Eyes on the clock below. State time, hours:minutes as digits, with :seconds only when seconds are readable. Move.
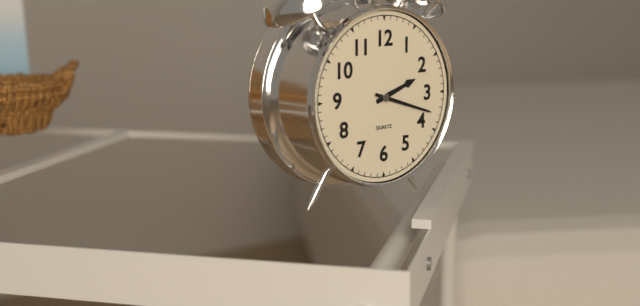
2:18
